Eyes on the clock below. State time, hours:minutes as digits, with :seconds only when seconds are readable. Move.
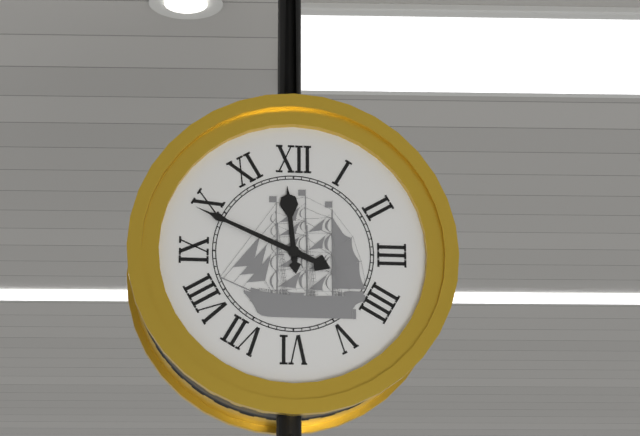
11:49
